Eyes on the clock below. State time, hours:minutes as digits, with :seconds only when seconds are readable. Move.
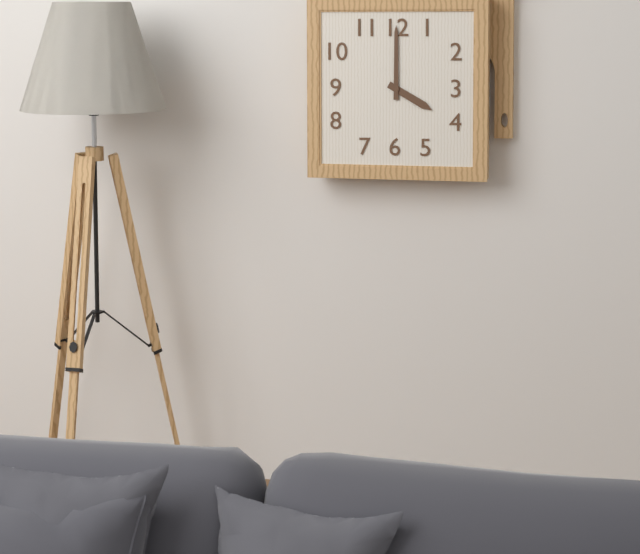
4:00
